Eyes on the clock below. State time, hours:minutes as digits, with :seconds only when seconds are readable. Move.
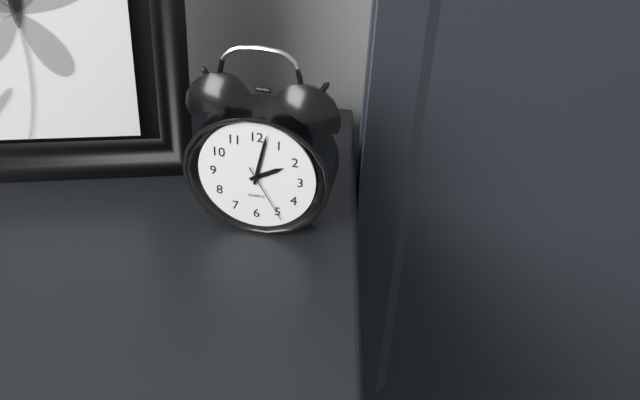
2:02:25
